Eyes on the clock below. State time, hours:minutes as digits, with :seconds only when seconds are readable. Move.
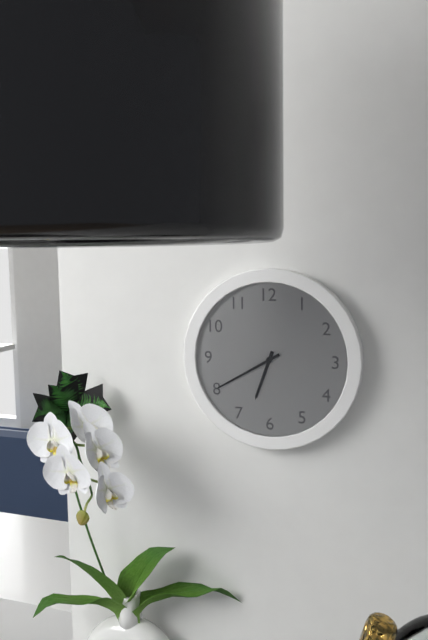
6:40
